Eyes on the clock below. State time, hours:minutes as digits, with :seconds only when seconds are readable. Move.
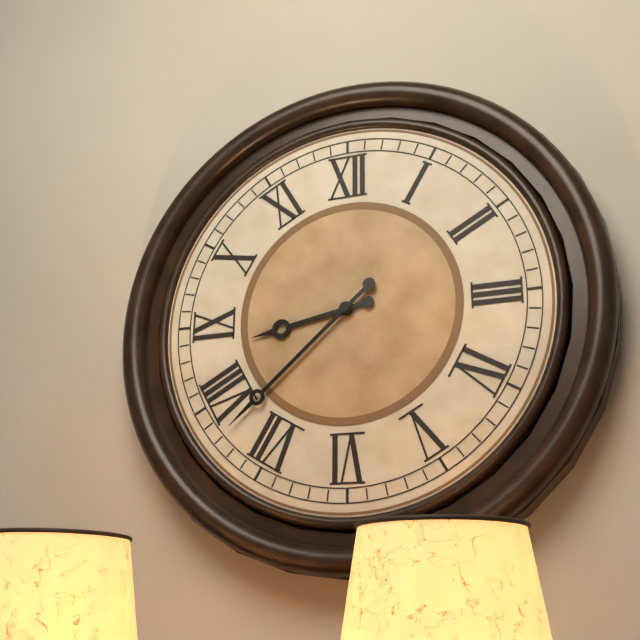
8:38
